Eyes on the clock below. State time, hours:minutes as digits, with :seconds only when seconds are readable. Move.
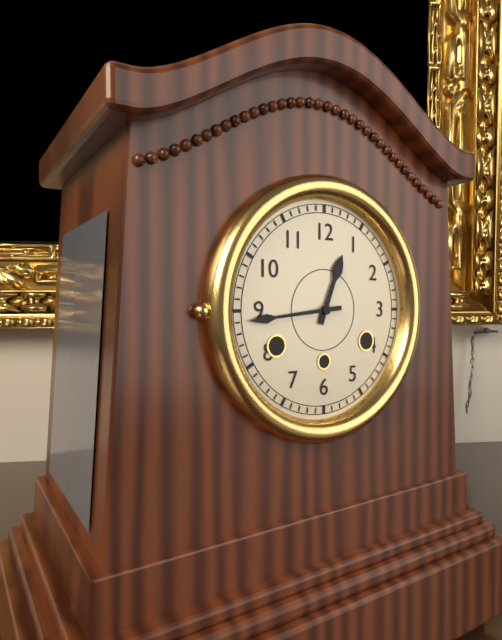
12:44
